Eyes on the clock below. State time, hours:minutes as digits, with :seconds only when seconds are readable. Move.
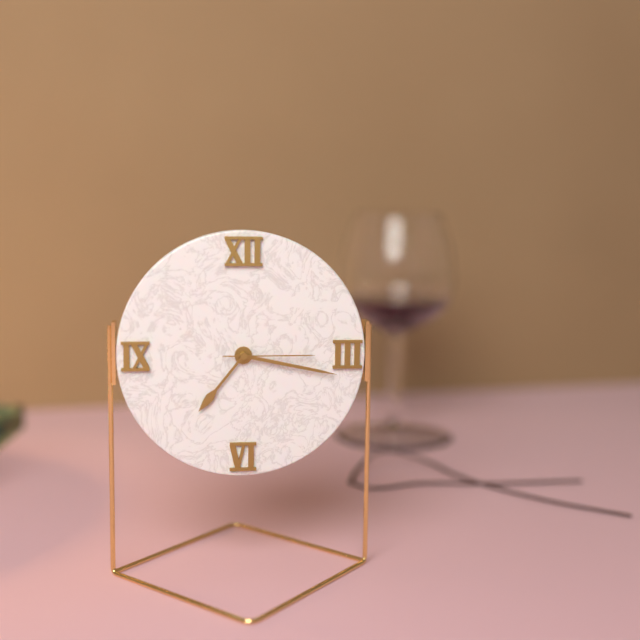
7:17:15
